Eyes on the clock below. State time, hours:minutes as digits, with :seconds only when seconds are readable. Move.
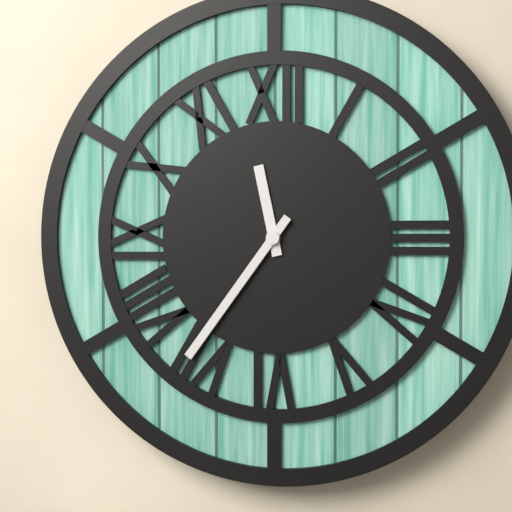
11:36
